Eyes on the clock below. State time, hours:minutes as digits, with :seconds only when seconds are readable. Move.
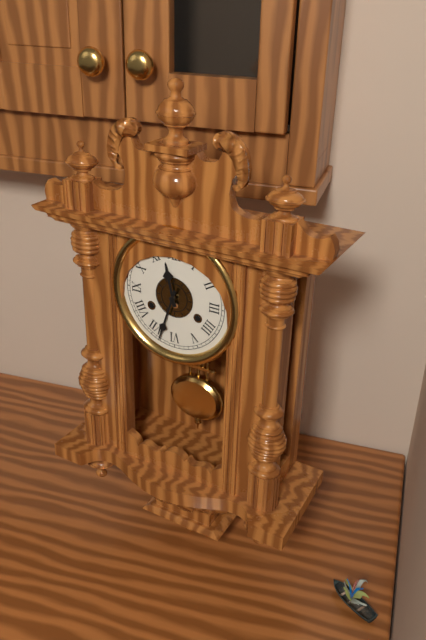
11:33
